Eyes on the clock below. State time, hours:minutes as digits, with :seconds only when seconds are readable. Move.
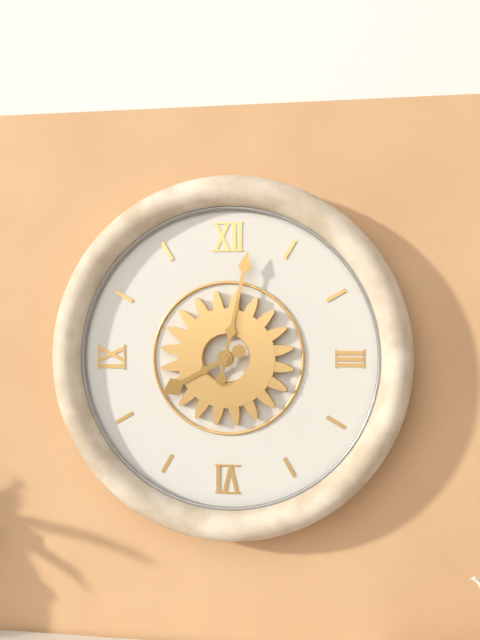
8:02
